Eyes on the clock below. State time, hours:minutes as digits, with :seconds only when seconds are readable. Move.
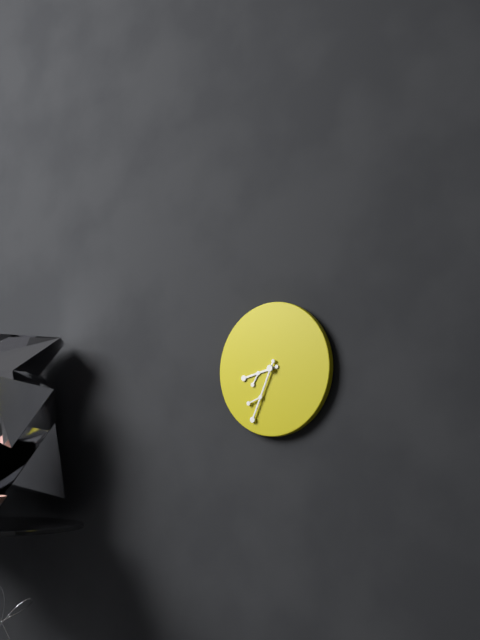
8:34
